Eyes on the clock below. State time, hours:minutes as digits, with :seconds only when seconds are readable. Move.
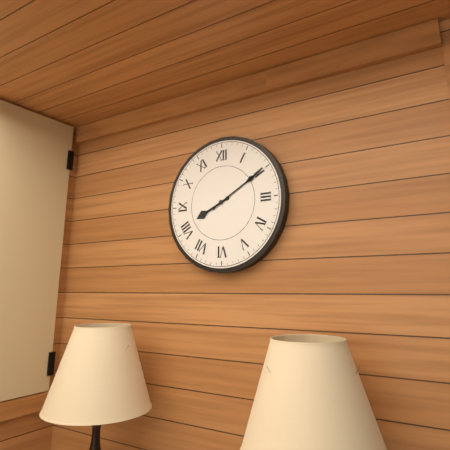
8:10
